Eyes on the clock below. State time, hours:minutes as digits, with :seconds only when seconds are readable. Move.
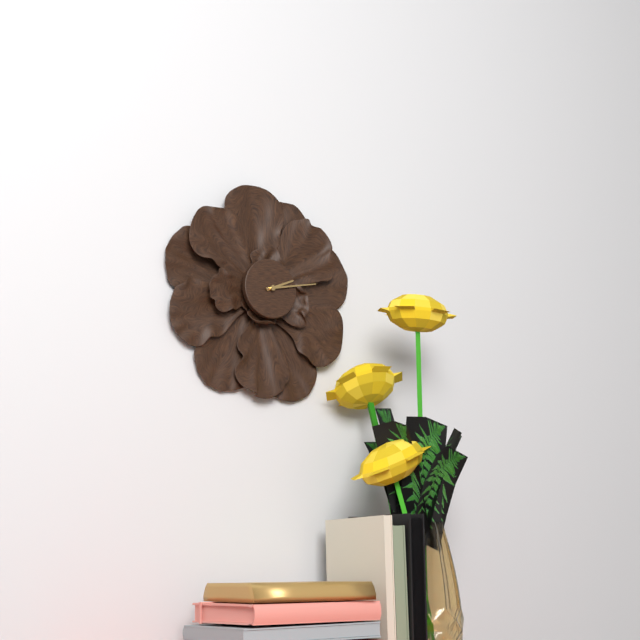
2:13
